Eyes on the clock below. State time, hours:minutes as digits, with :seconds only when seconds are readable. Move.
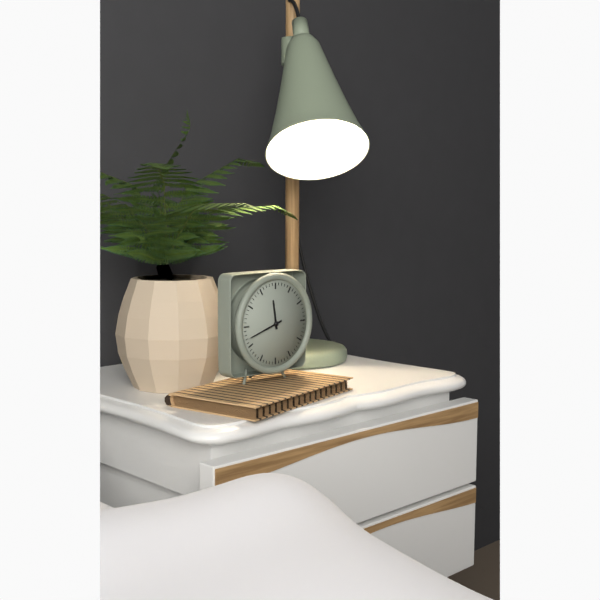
11:42
